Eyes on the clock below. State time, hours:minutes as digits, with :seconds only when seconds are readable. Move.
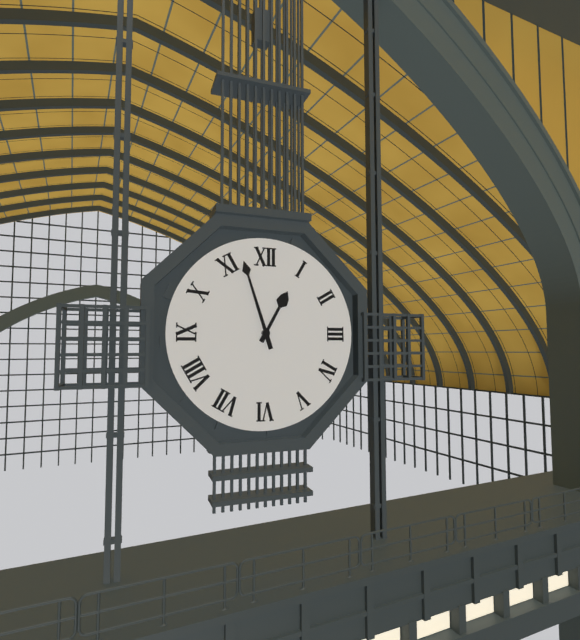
12:57
